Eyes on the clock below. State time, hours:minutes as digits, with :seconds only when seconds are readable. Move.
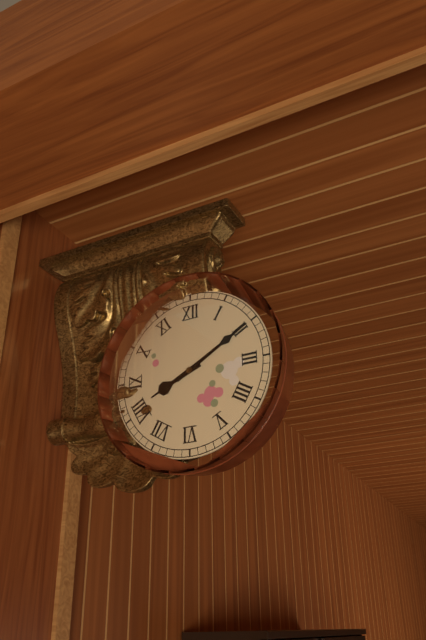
8:10
